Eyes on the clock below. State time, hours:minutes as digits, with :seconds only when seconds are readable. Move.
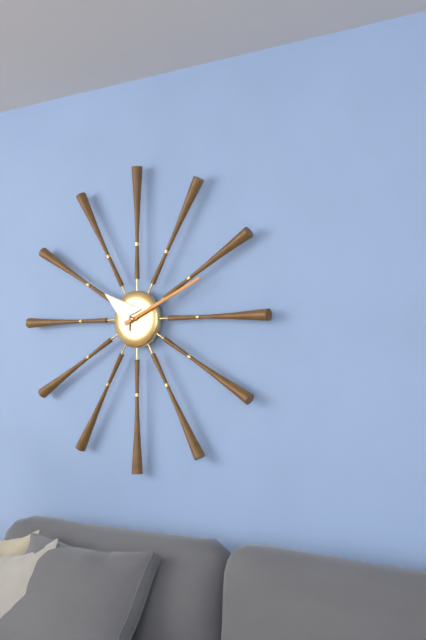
10:11
